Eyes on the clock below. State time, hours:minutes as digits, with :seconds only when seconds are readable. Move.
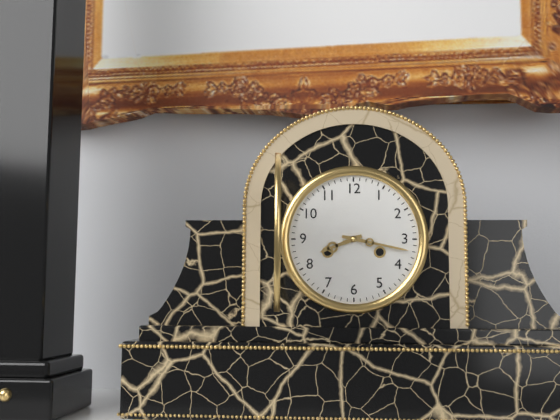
8:17
